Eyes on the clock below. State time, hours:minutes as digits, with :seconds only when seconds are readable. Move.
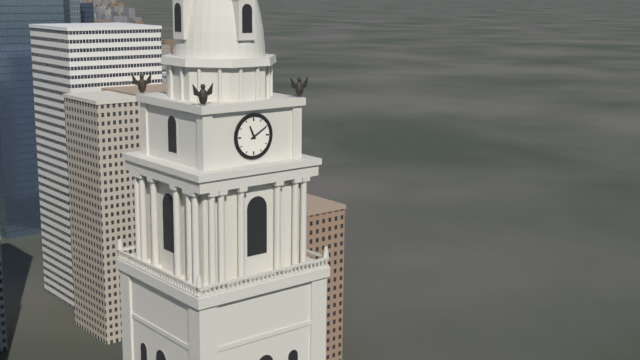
11:10
